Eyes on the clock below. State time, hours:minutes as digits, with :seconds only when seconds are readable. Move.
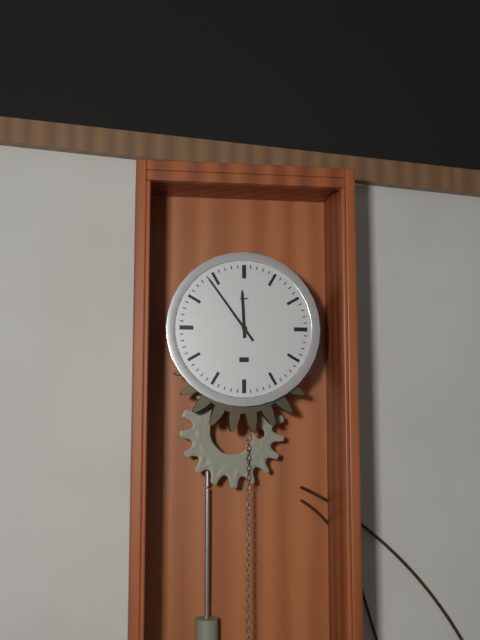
11:54
